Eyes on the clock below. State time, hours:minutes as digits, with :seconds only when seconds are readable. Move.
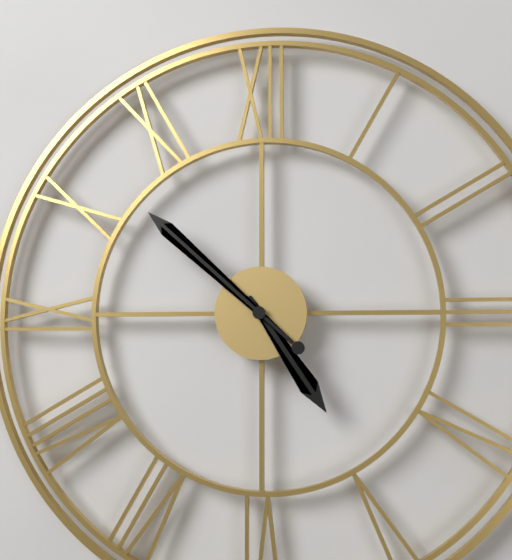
4:52
